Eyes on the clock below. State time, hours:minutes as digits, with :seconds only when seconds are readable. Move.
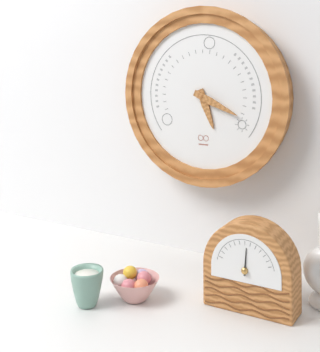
5:19
